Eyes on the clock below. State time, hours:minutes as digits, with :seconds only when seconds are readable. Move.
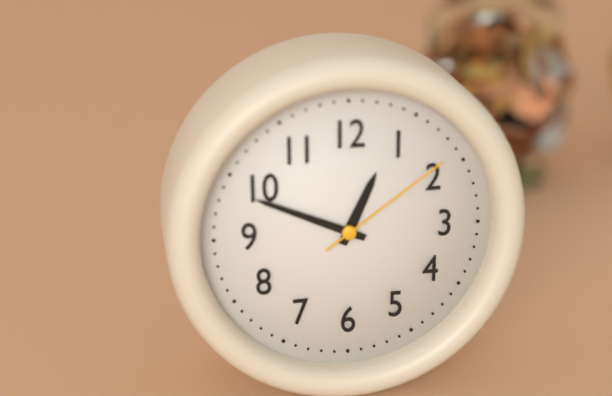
12:49:09
